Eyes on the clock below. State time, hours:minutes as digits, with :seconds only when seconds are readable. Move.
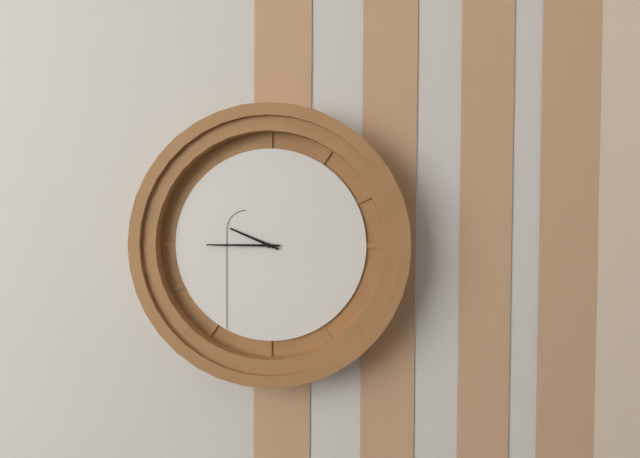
9:45
